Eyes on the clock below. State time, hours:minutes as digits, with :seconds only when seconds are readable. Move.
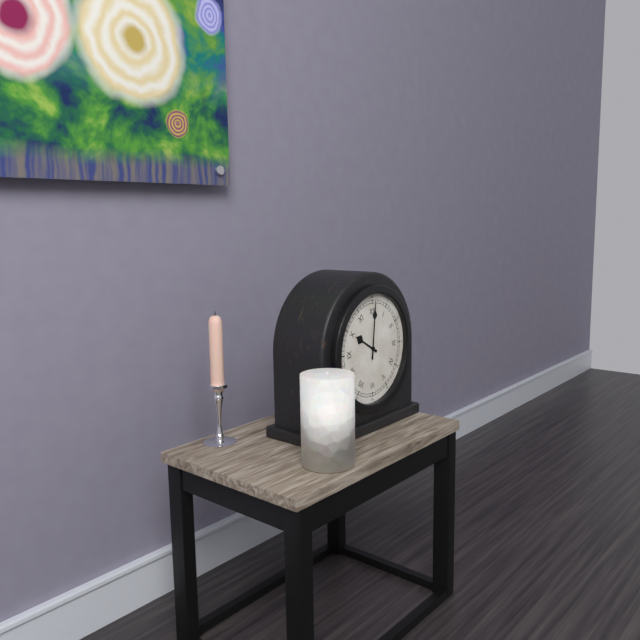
10:01
